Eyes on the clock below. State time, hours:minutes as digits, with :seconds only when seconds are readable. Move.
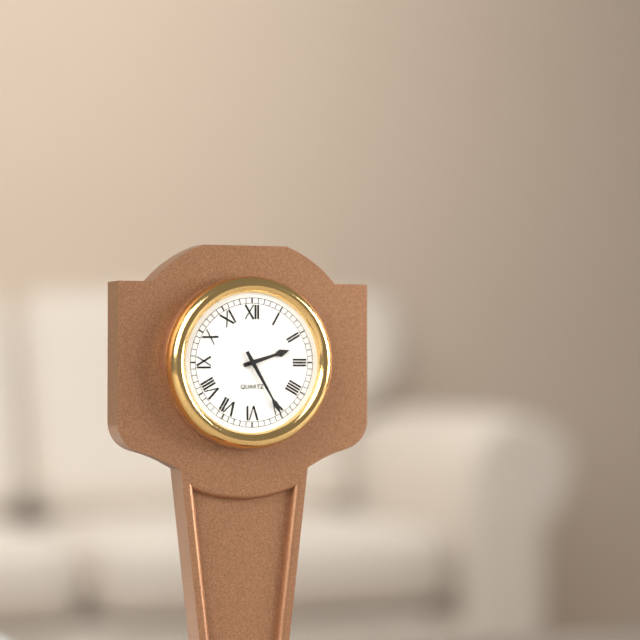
2:25
